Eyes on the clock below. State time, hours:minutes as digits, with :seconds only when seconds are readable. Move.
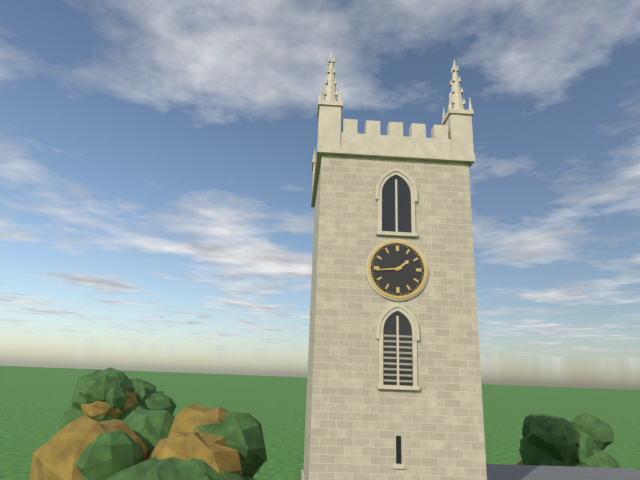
1:44
